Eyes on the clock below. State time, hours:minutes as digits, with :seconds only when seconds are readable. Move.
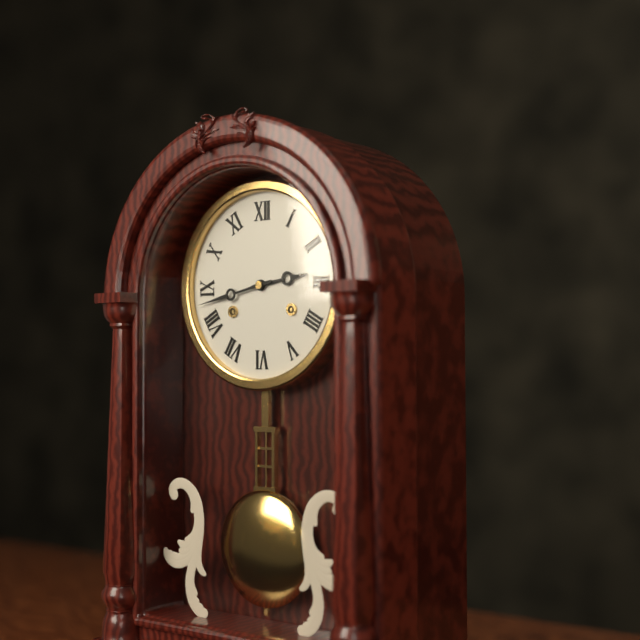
2:43
